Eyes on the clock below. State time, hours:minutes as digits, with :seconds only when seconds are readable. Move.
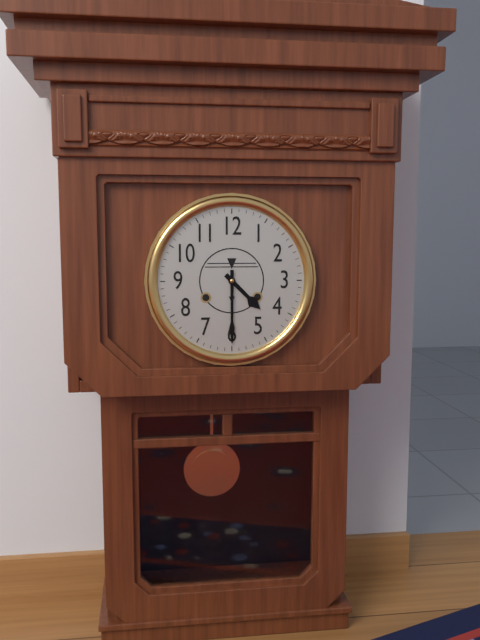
4:30
